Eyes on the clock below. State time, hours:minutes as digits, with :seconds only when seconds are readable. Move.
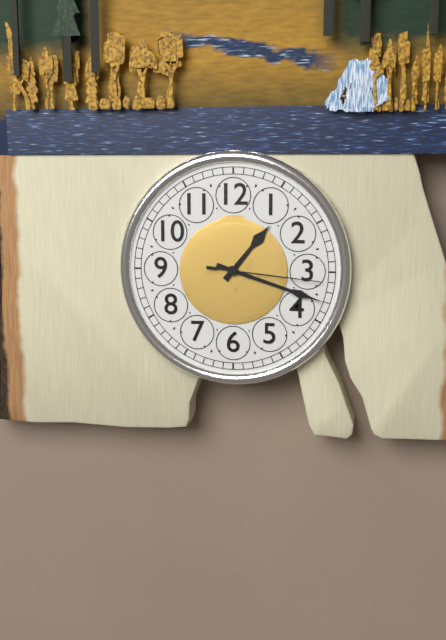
1:18:16
